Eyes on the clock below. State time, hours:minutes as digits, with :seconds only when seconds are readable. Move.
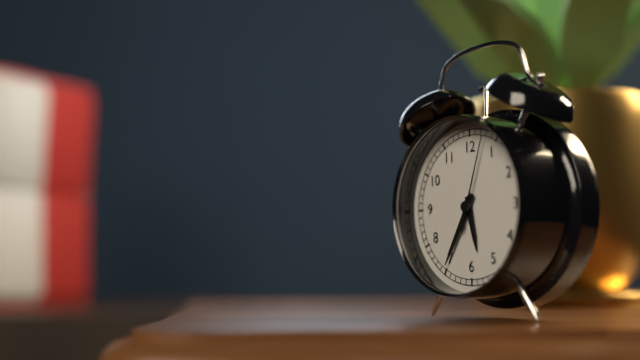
5:35:03
